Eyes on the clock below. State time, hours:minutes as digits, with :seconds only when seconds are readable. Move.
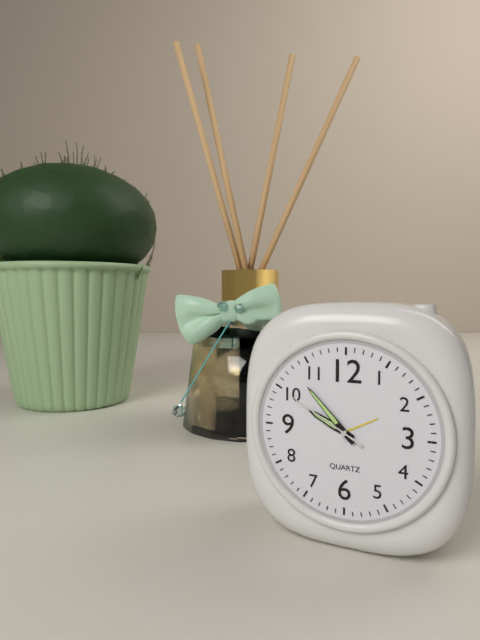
9:53:50
